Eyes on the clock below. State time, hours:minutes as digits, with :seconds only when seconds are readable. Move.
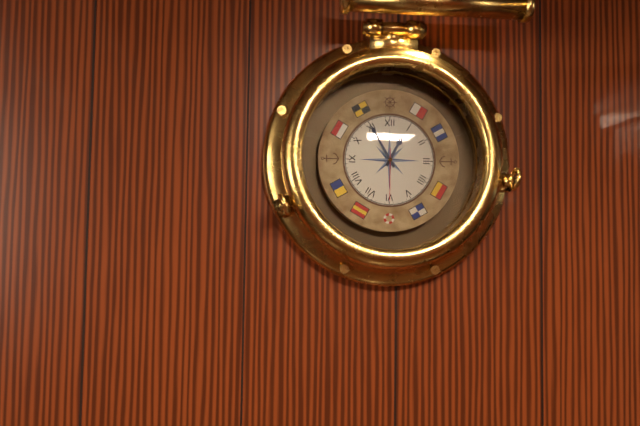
12:55
